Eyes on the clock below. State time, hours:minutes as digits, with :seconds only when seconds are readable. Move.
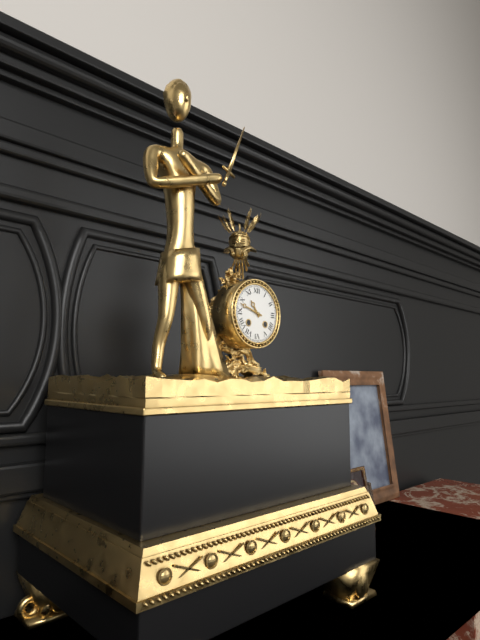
10:48
